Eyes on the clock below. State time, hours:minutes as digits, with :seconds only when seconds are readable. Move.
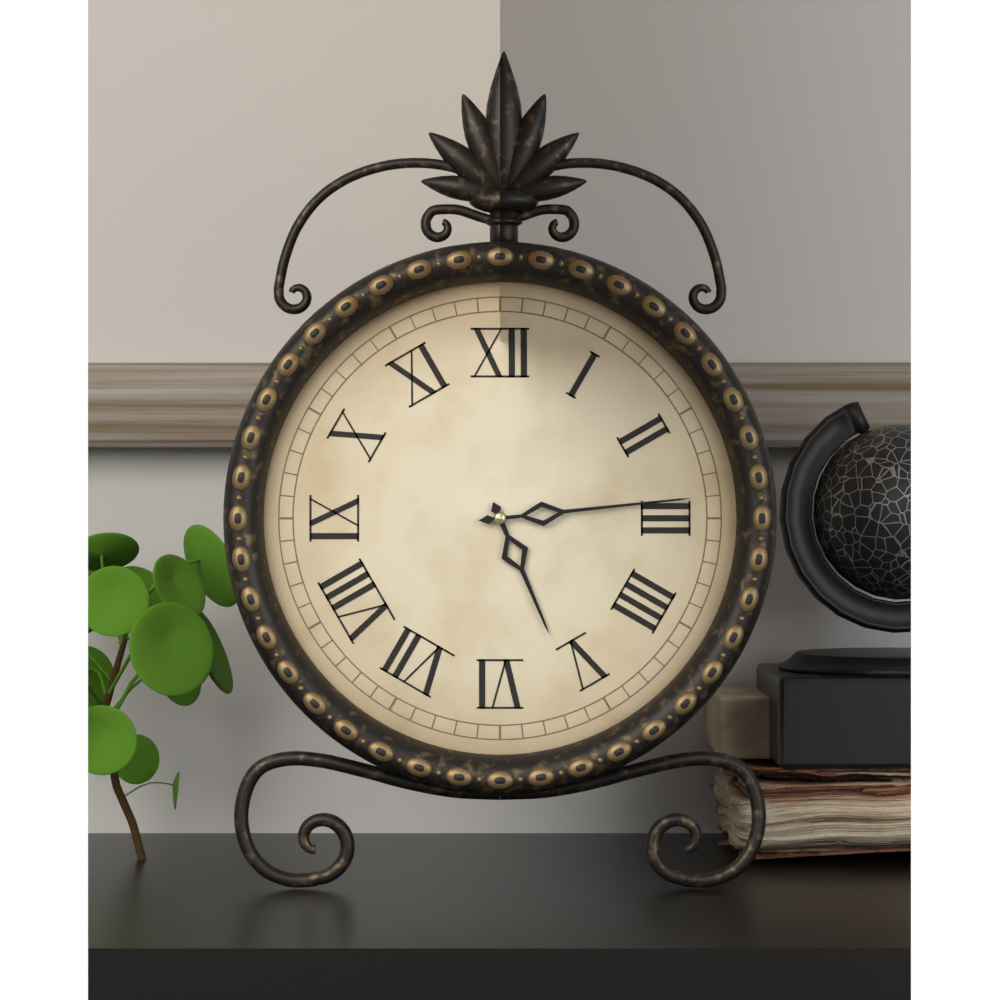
5:14
